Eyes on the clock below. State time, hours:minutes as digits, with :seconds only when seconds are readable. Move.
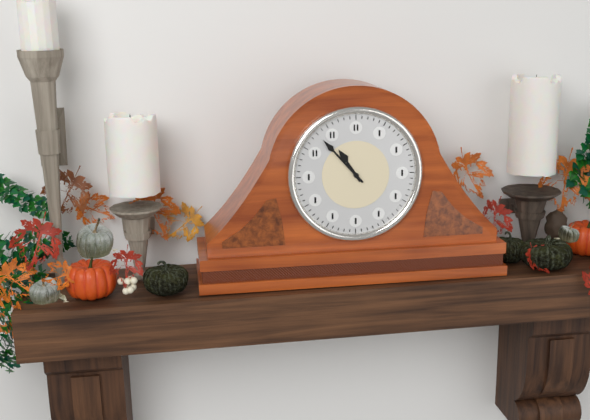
10:53
